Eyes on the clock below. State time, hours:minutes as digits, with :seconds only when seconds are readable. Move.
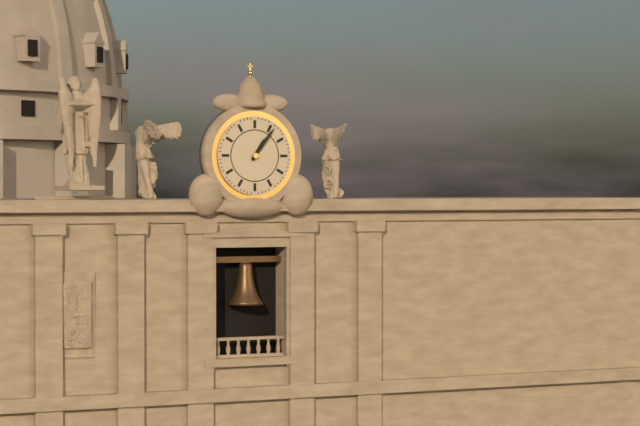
1:06
